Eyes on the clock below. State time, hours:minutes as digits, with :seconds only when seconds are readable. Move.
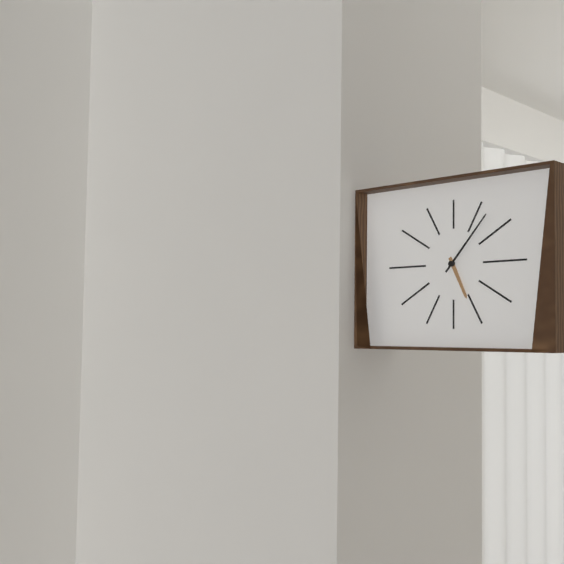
5:07
